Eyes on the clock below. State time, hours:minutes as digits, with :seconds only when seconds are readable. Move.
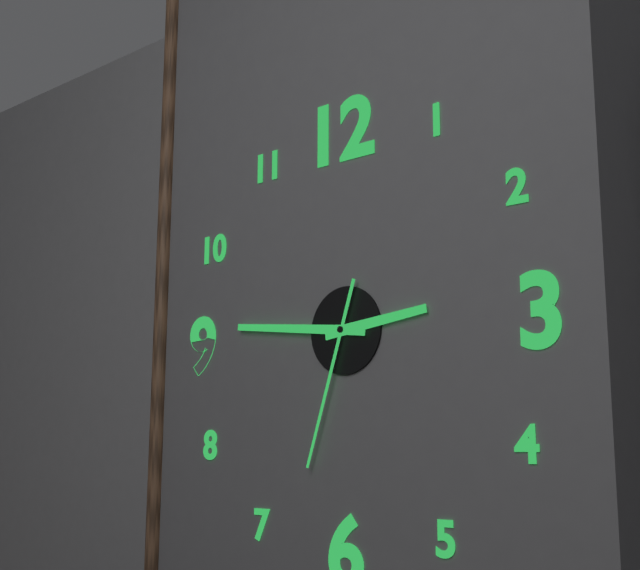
2:46:33
